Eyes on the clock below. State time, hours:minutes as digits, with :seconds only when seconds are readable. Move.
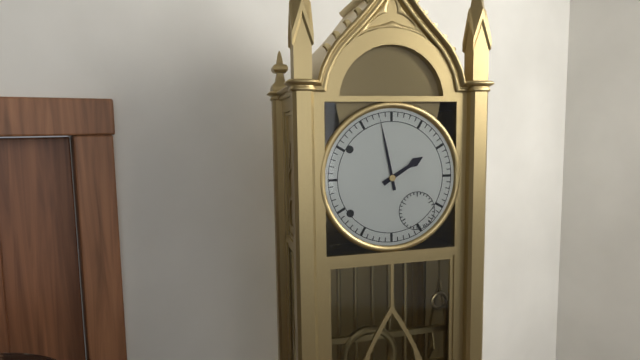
1:58
